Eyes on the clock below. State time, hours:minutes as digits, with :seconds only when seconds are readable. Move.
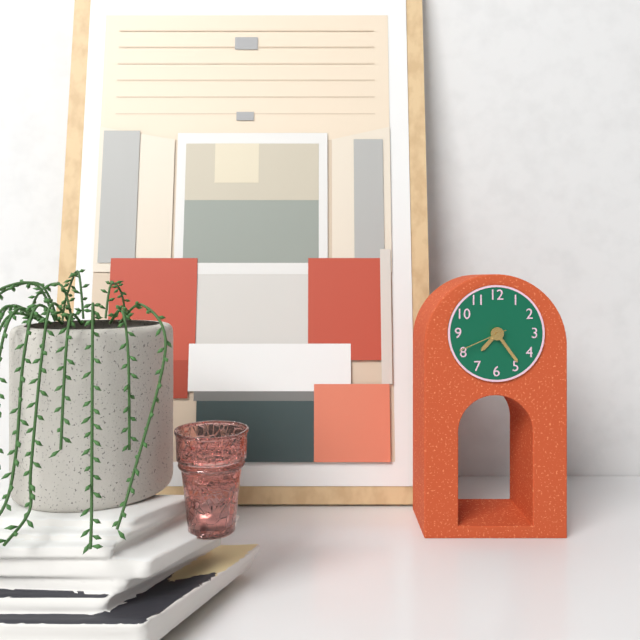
7:24:41
